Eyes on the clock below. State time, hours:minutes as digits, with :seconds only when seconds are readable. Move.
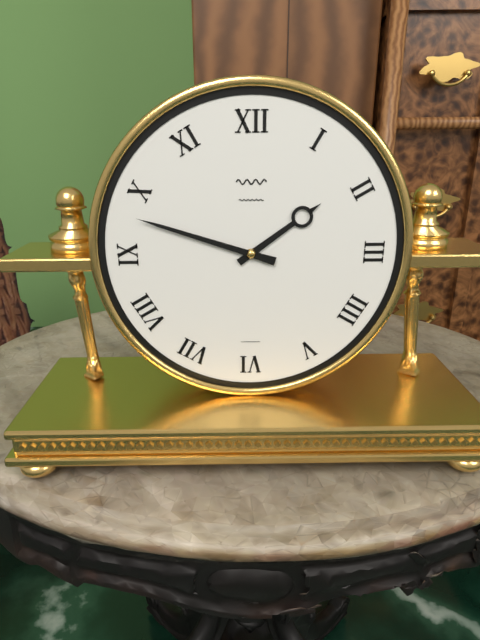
1:48
